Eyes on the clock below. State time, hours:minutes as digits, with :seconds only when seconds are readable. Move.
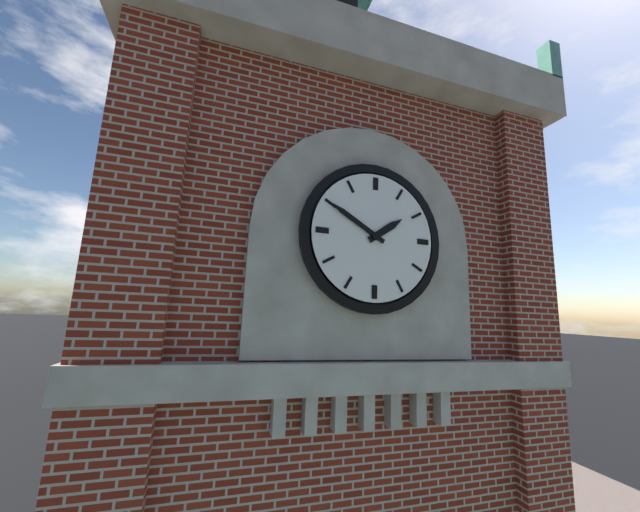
1:50
